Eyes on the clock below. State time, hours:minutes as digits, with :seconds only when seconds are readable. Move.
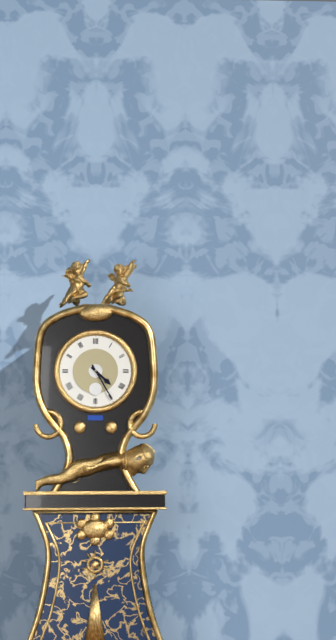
4:25
